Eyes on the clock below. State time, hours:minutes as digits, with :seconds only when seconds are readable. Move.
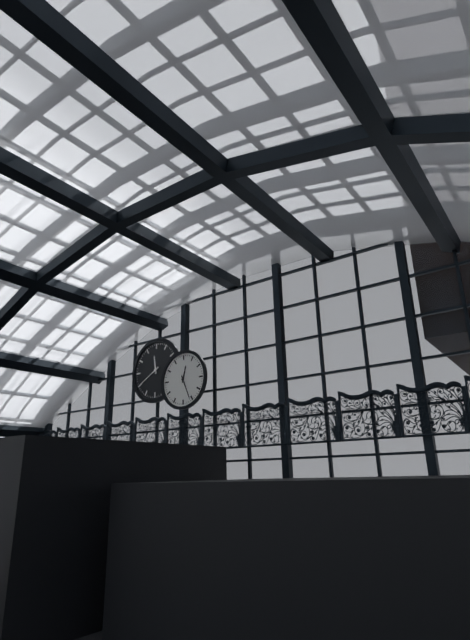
12:26
